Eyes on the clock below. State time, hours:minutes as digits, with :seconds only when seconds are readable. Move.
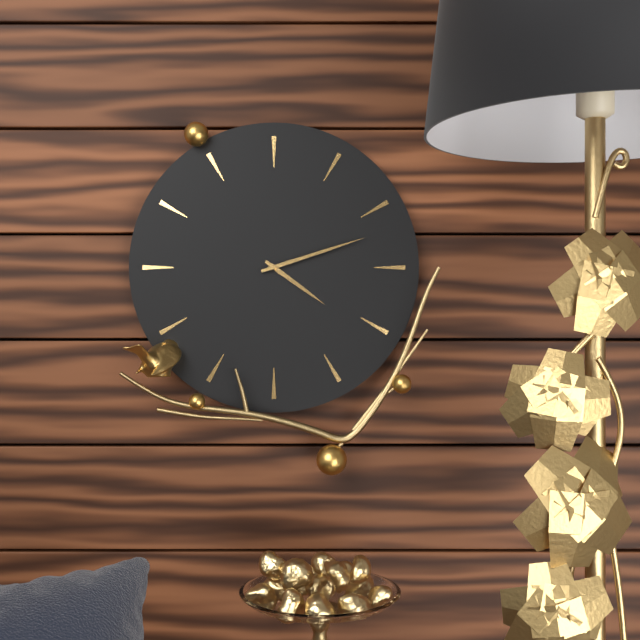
4:12
